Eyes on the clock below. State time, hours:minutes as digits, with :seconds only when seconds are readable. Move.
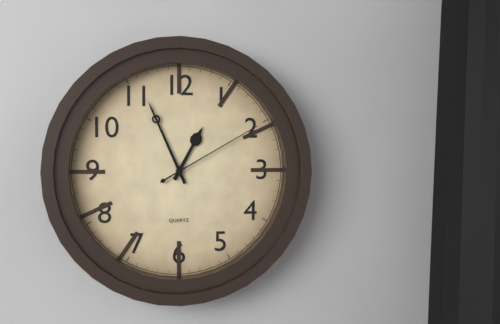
12:56:10
